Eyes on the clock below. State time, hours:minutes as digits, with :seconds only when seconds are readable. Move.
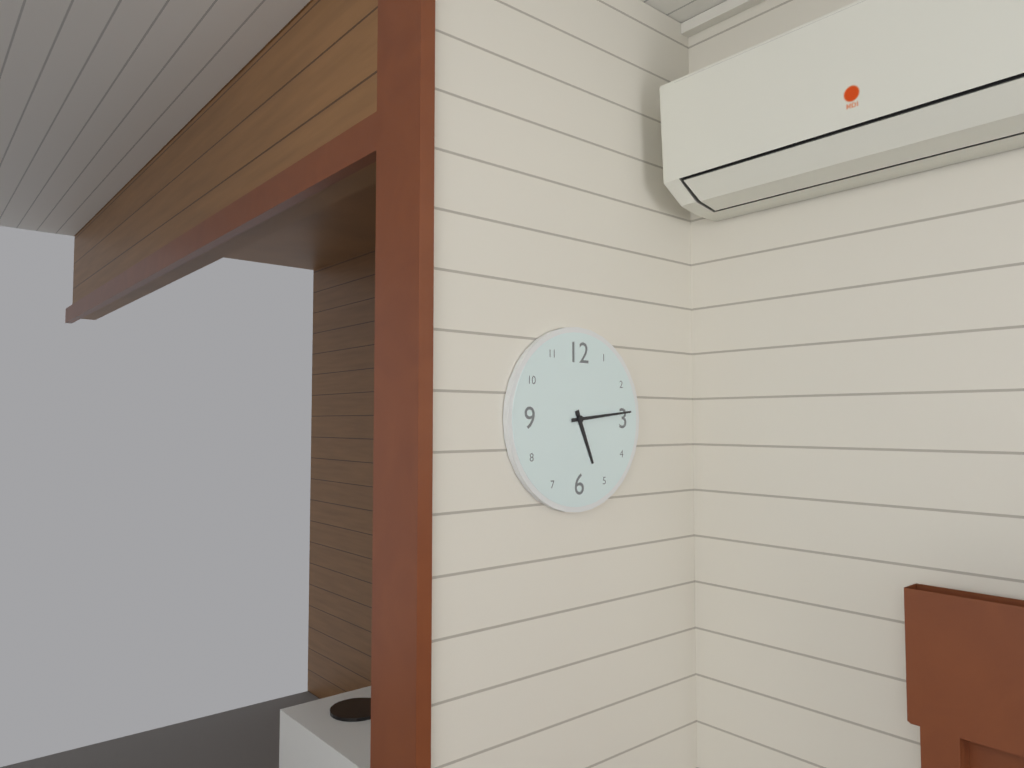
5:14
